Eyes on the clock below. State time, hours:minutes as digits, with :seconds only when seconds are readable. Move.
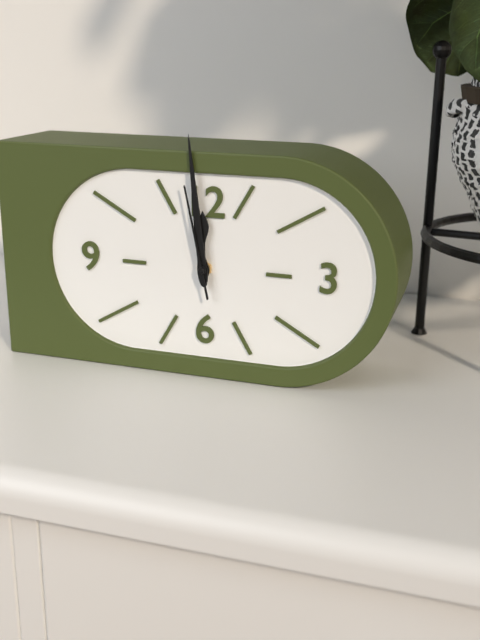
11:59:58
